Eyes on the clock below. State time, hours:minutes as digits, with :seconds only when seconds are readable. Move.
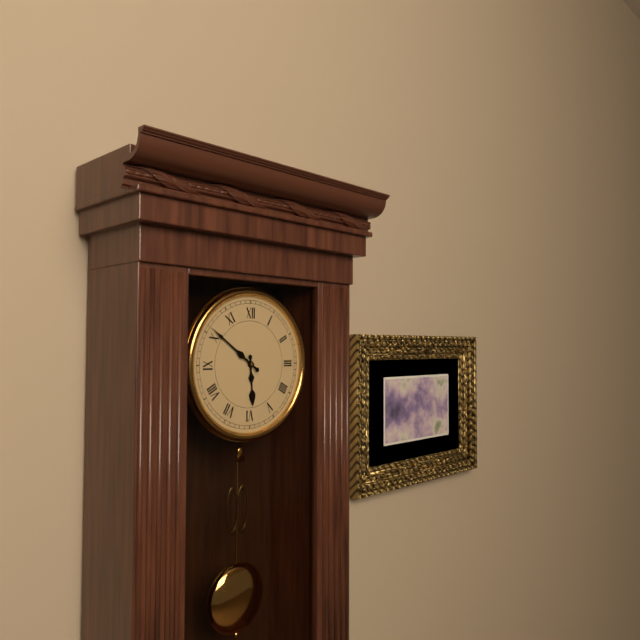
5:51
